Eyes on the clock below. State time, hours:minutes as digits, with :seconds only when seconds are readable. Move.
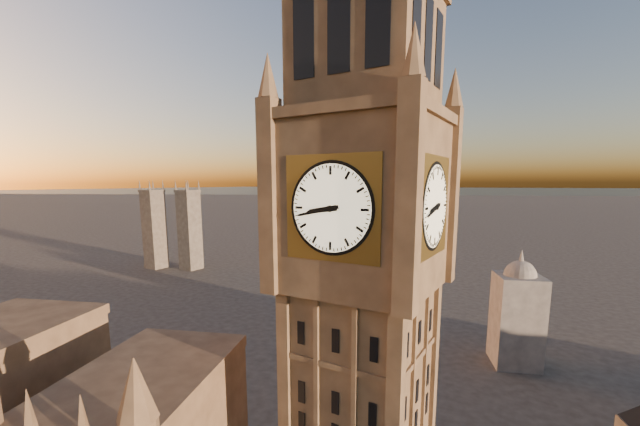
8:43
